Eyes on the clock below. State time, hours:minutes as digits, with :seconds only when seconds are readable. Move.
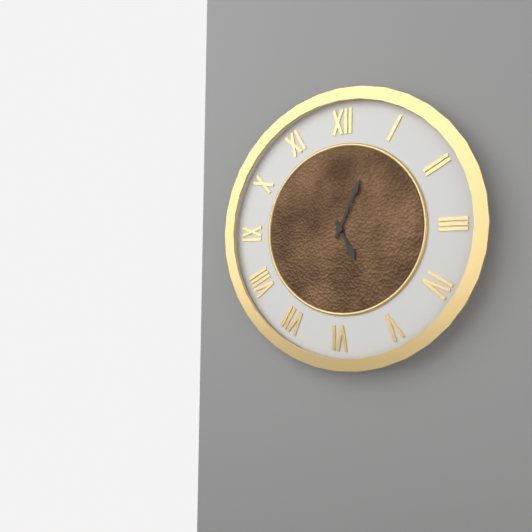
5:04
